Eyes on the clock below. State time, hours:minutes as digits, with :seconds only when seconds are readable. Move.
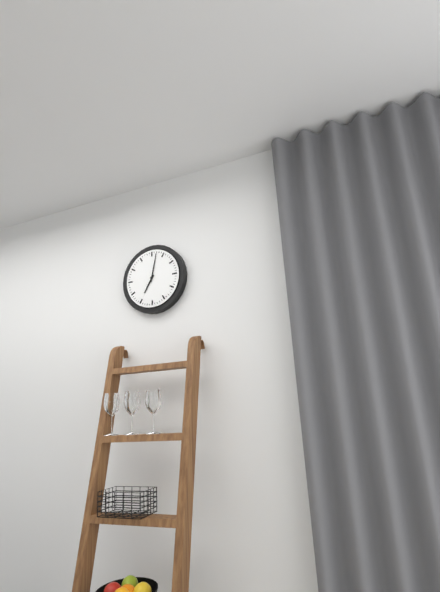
7:02
